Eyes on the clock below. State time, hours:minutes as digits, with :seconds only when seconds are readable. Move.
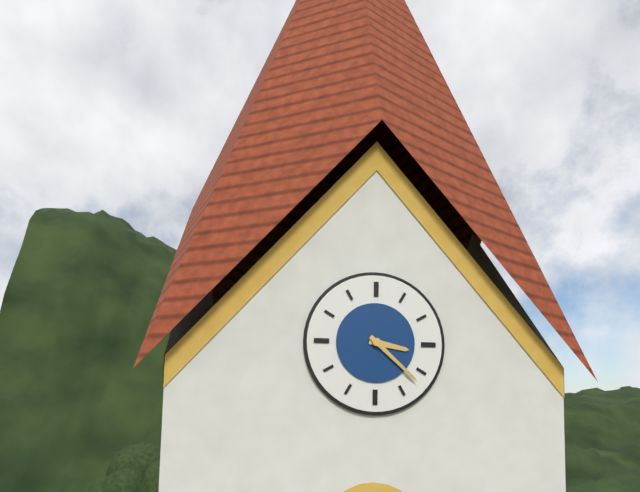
3:22
